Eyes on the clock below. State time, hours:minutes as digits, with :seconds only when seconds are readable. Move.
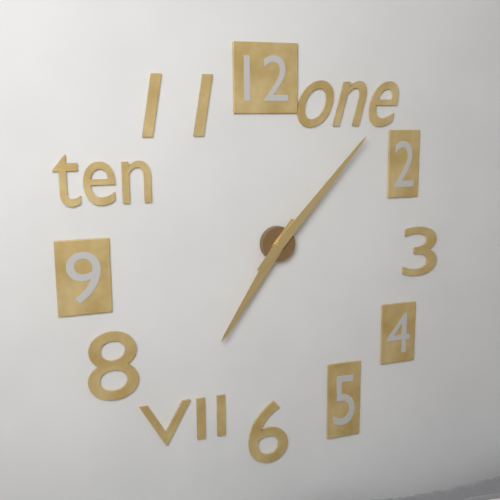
7:07
